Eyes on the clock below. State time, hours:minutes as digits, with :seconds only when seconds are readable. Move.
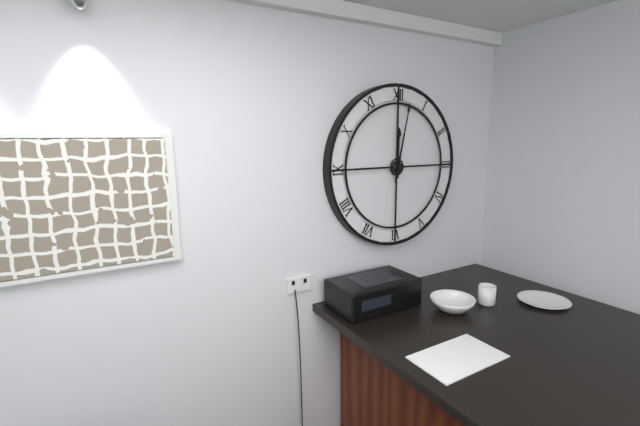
12:02
